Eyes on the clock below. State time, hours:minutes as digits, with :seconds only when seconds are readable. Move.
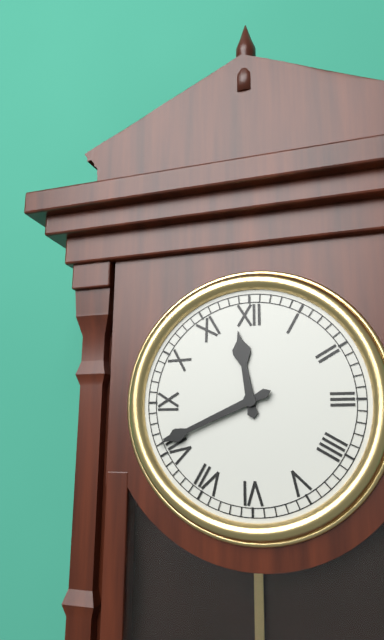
11:41
